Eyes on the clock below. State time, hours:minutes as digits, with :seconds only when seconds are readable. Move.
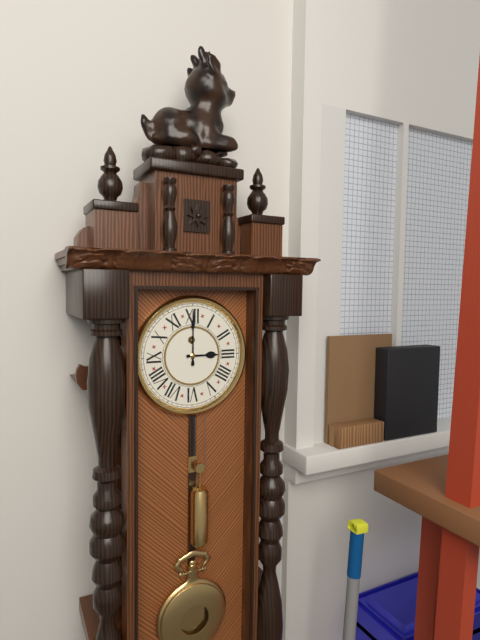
3:00
